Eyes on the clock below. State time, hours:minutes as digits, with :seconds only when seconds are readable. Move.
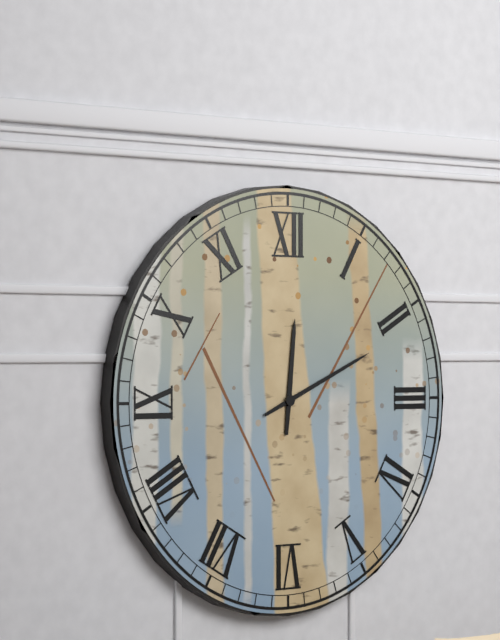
12:11
